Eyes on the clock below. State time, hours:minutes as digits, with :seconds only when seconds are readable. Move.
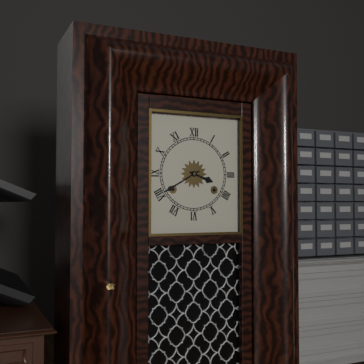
3:40
